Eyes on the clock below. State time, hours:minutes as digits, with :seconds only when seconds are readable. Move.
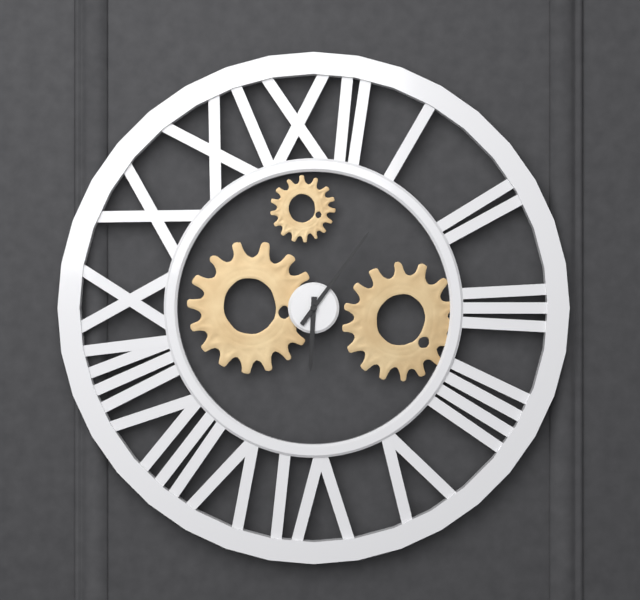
6:06
